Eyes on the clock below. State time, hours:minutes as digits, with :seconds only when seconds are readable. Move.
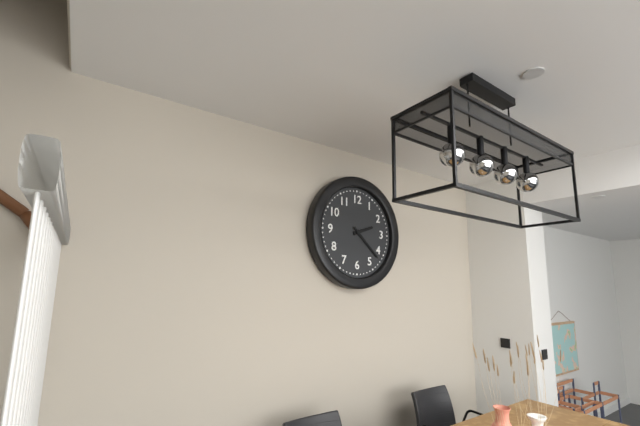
2:22
